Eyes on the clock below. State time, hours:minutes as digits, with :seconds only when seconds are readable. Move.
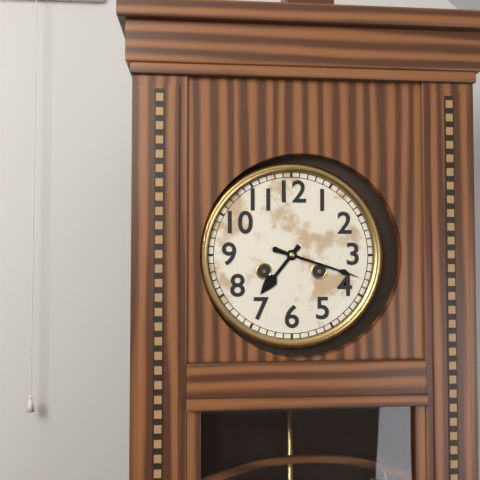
7:18
